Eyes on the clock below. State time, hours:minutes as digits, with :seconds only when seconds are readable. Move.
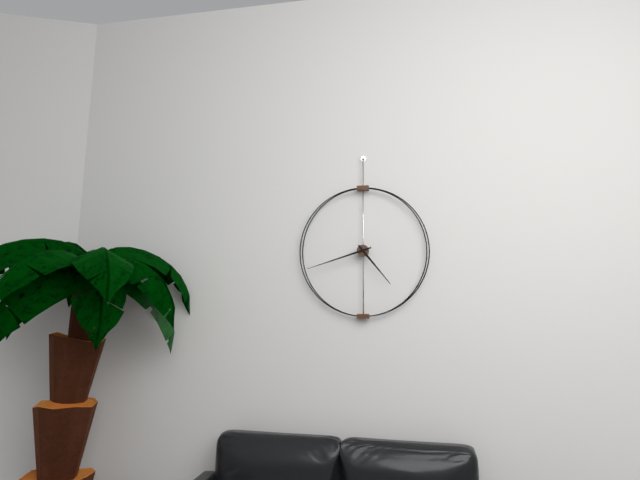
4:42
